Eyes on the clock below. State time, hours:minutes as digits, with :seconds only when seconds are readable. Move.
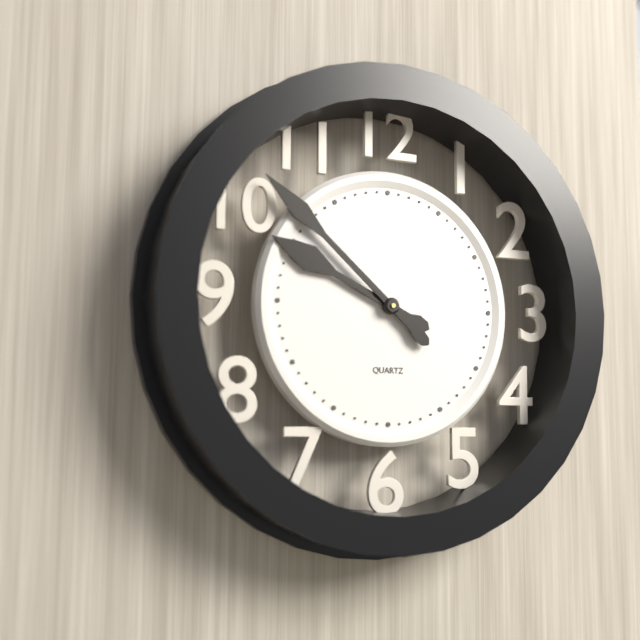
9:52
